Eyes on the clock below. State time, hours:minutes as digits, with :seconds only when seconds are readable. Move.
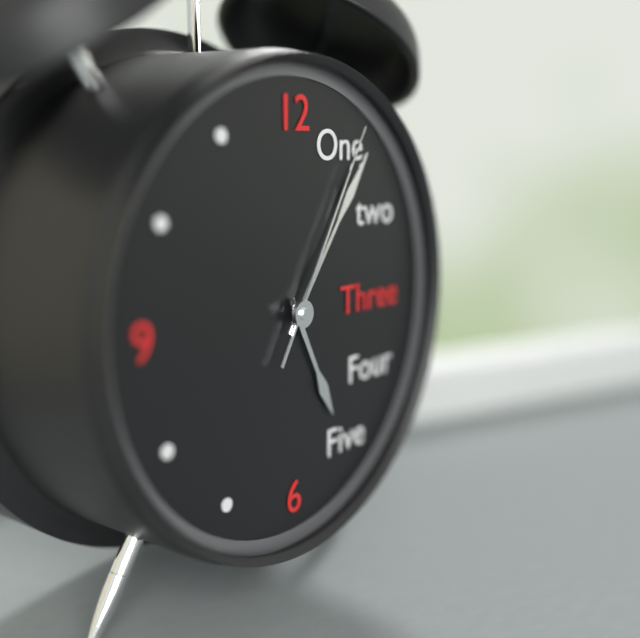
5:06:05
